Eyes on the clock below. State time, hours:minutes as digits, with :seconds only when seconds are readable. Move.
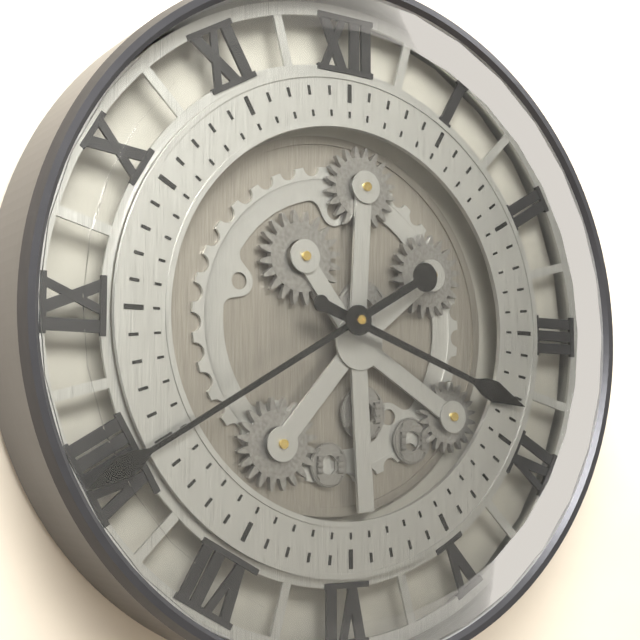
3:40
